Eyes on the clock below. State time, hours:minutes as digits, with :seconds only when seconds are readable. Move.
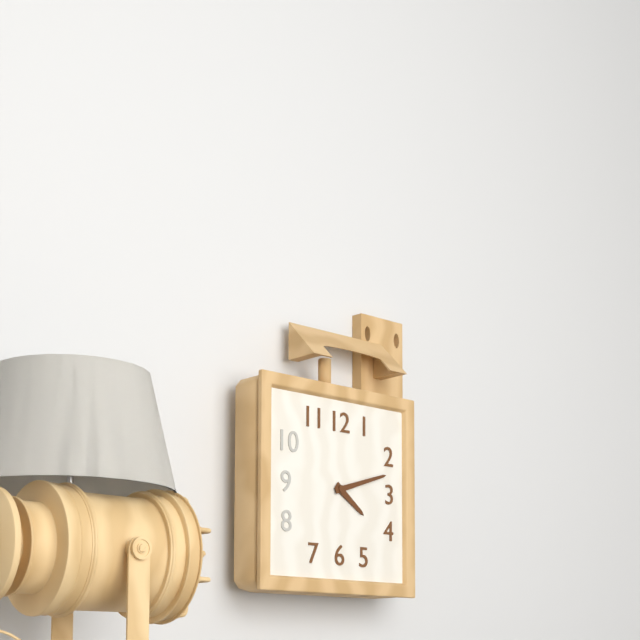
4:12
